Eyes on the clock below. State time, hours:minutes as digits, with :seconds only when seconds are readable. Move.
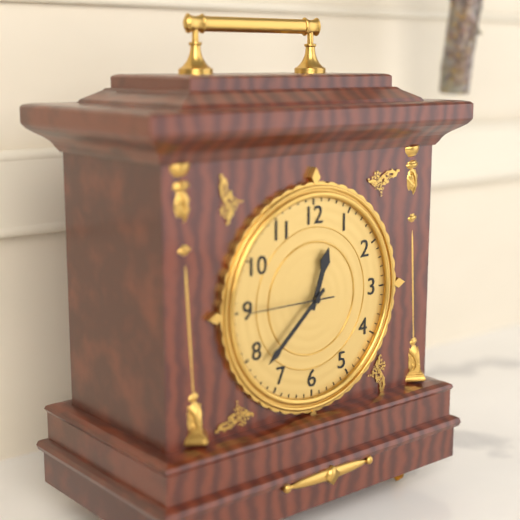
12:38
